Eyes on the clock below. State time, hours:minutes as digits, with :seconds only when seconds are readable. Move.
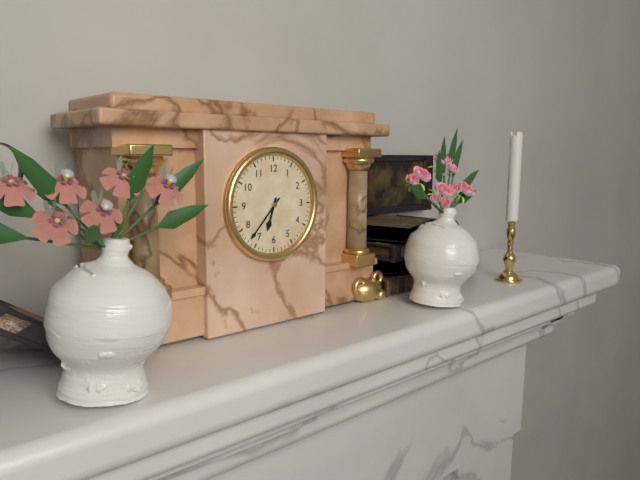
6:37
